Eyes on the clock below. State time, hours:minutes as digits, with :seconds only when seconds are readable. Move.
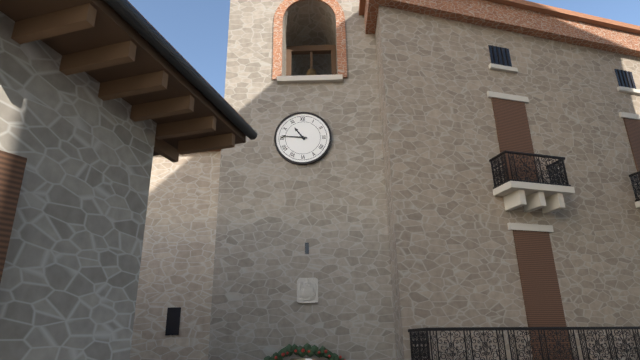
10:46
